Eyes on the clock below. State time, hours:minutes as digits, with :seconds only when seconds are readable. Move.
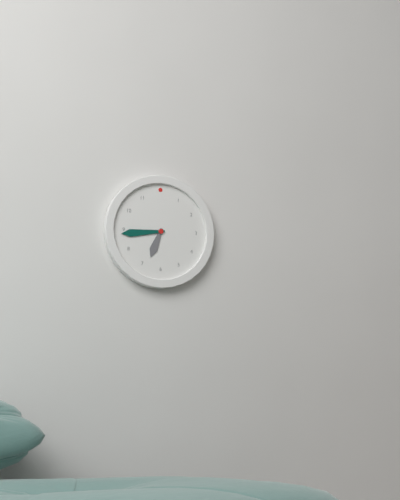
6:44
